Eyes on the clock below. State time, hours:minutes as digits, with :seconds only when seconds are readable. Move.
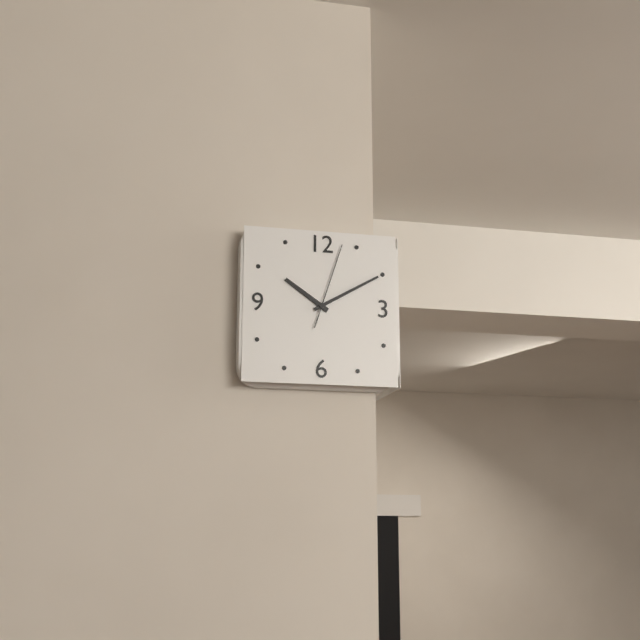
10:10:03
